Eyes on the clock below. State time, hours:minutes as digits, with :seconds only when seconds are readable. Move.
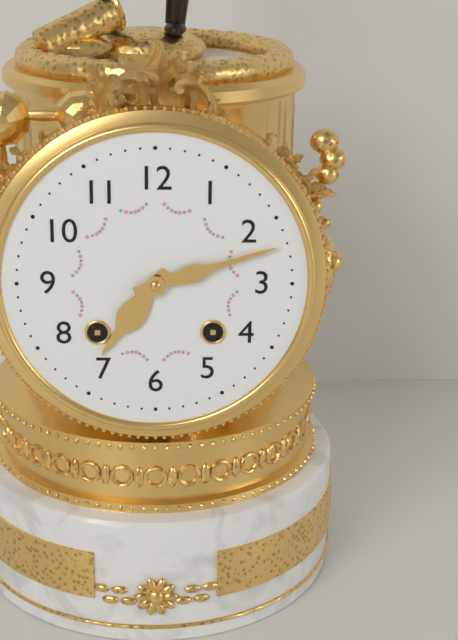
7:12
